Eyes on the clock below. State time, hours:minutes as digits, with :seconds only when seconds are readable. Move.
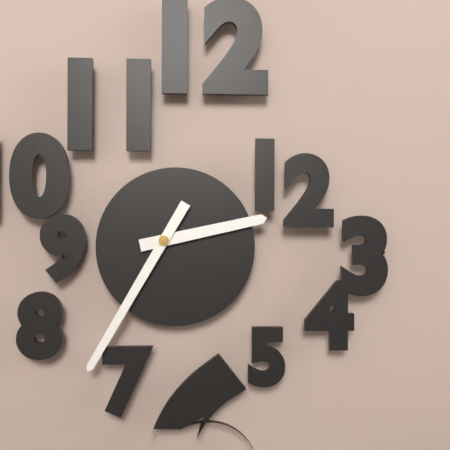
2:35
